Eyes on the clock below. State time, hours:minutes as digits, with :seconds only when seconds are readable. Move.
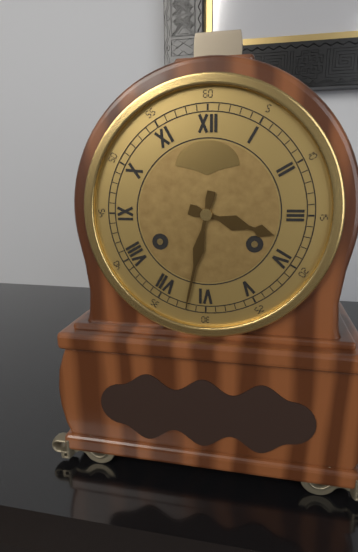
3:32
